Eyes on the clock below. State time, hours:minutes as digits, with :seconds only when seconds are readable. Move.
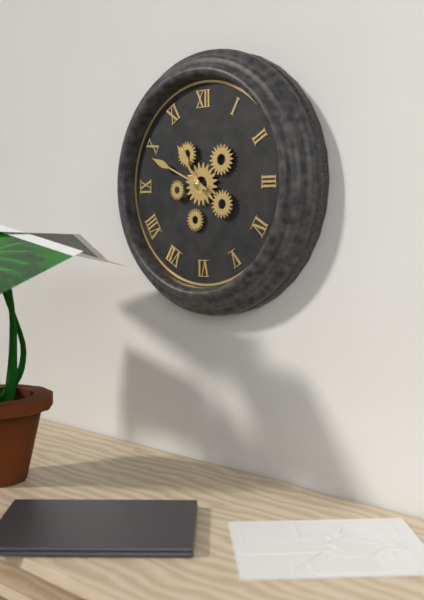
10:49
